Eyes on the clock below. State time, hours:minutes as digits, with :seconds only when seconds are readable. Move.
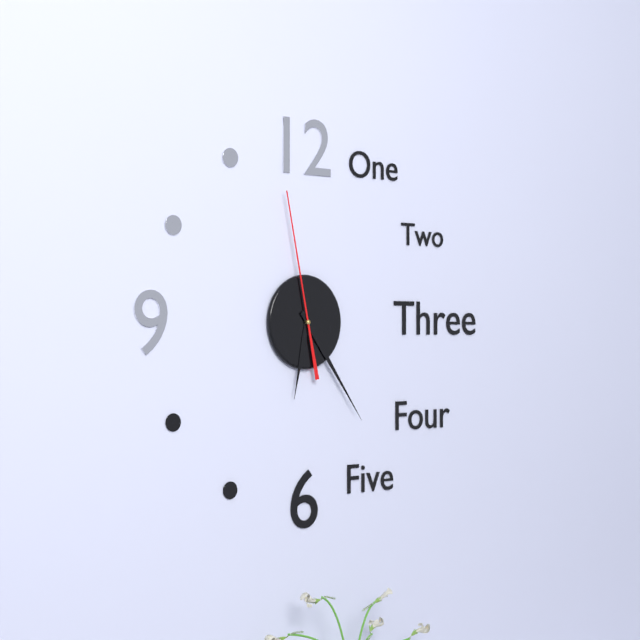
6:24:58
